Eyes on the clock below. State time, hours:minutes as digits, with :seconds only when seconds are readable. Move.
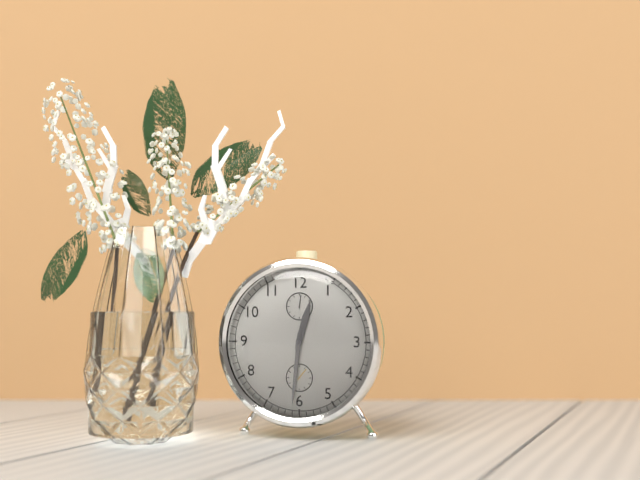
12:31
